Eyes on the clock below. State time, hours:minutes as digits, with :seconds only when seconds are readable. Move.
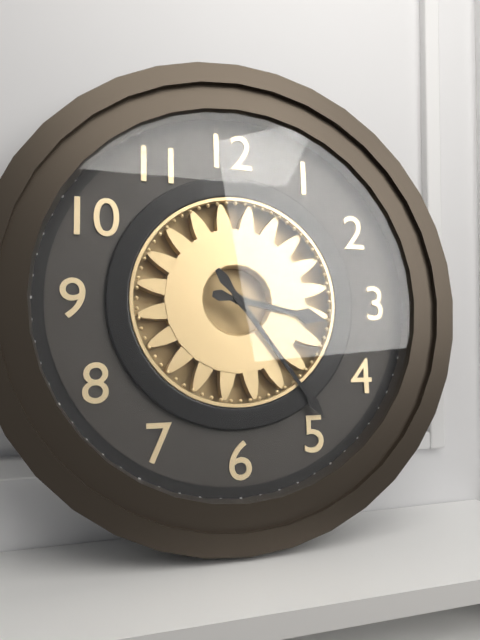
3:24
